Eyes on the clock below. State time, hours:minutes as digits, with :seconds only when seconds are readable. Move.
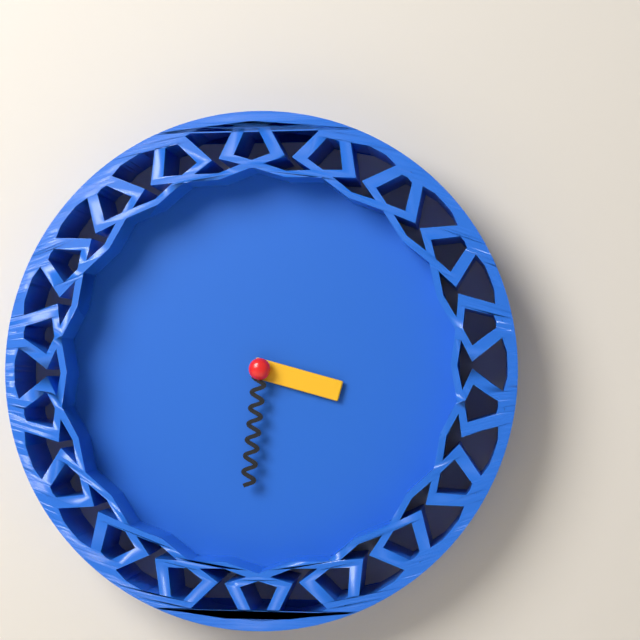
3:31
